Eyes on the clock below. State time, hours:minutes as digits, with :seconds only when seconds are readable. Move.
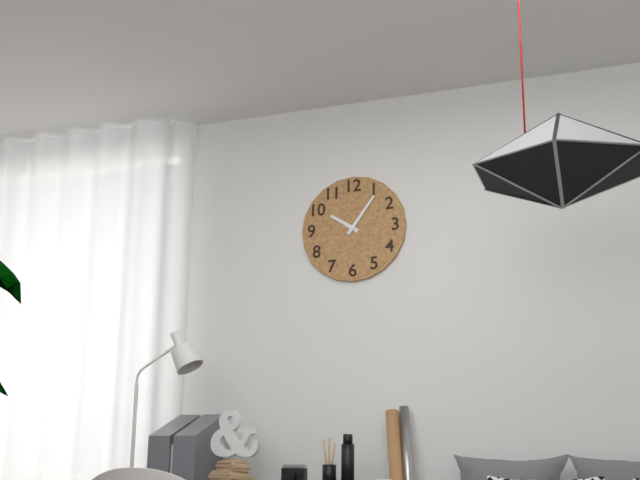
10:06
